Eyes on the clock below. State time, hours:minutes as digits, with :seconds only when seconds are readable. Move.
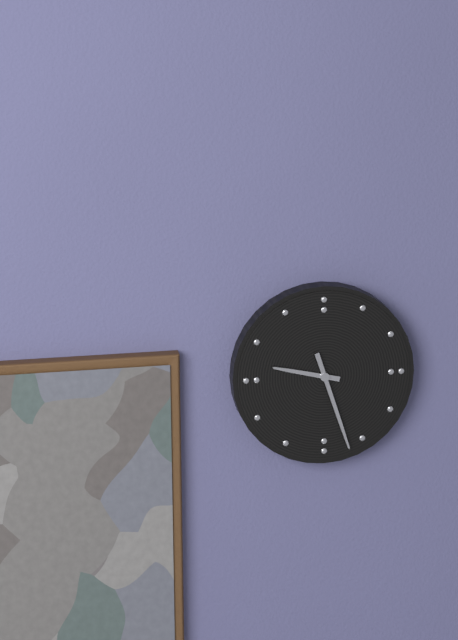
9:27
